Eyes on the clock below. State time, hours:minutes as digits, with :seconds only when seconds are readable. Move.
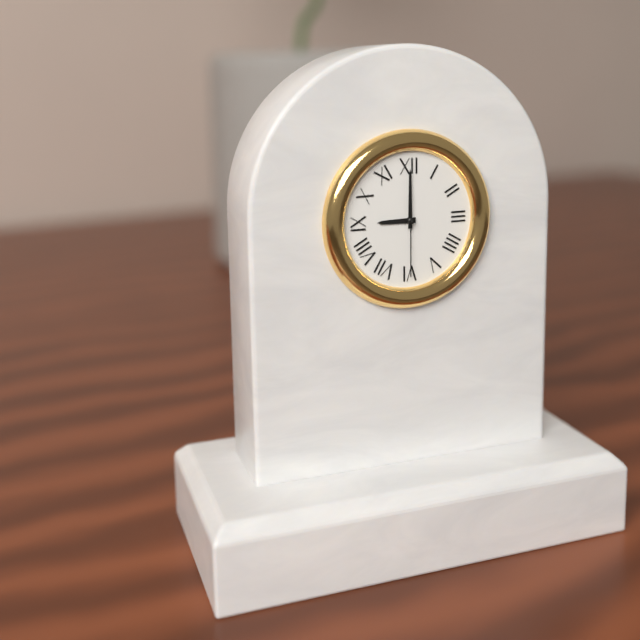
9:00:30
